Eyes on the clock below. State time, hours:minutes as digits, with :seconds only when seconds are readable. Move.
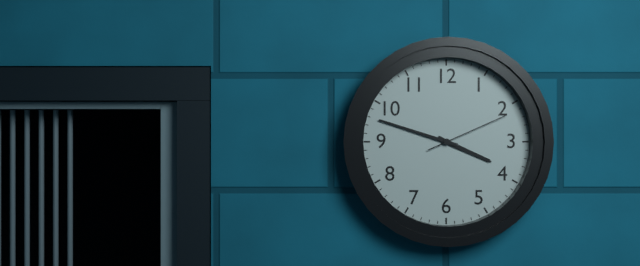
3:48:11
